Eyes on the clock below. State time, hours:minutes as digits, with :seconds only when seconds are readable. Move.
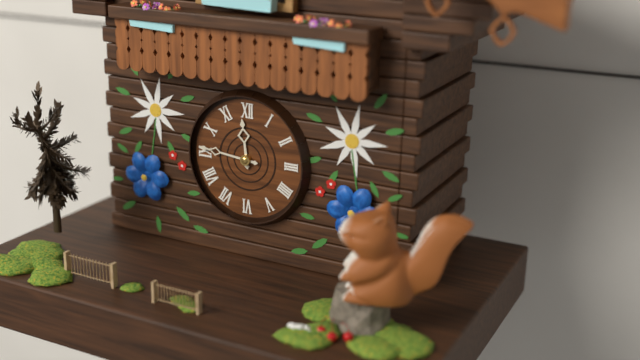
11:46
